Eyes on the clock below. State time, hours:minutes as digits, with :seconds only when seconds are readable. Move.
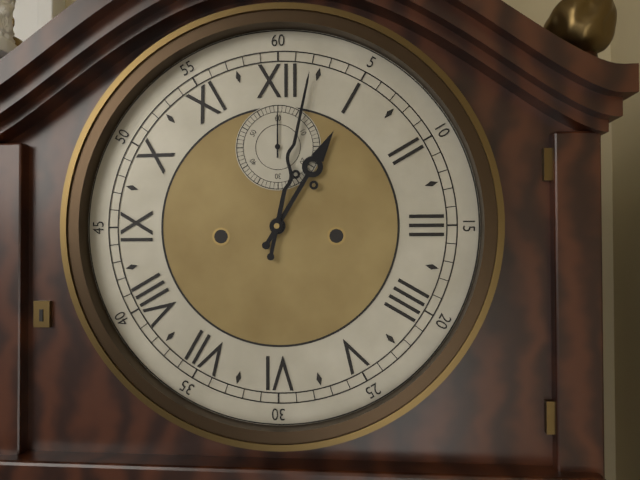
1:02
